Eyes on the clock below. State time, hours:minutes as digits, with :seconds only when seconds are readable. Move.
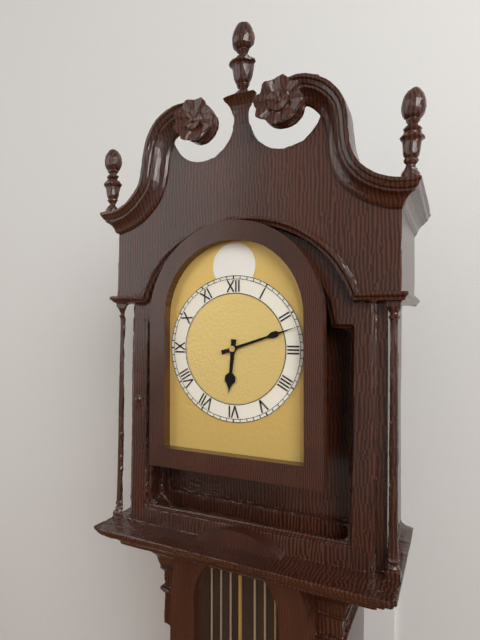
6:12
